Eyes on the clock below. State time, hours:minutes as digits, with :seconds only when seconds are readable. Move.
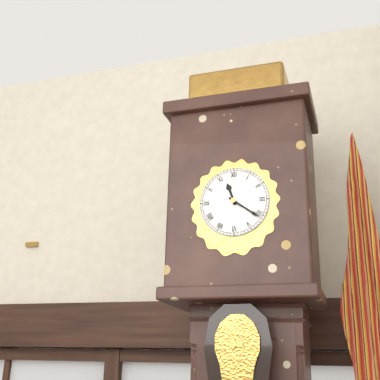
11:21
